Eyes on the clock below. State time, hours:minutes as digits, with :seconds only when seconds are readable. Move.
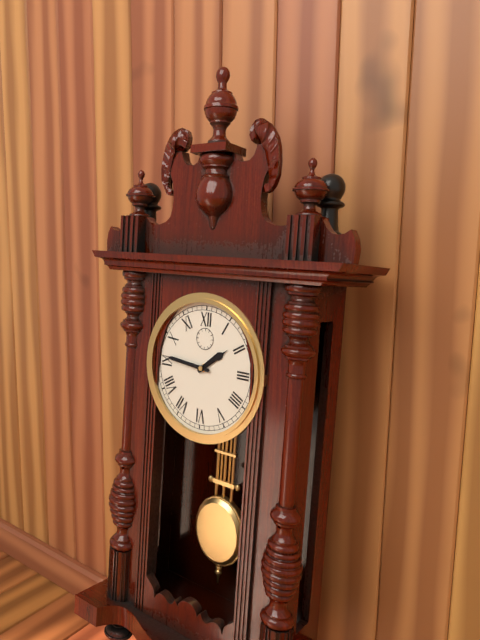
1:46
